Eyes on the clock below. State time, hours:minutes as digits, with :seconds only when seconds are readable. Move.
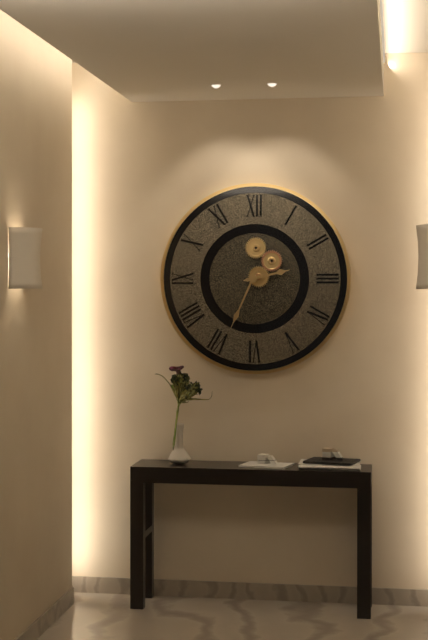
2:34
